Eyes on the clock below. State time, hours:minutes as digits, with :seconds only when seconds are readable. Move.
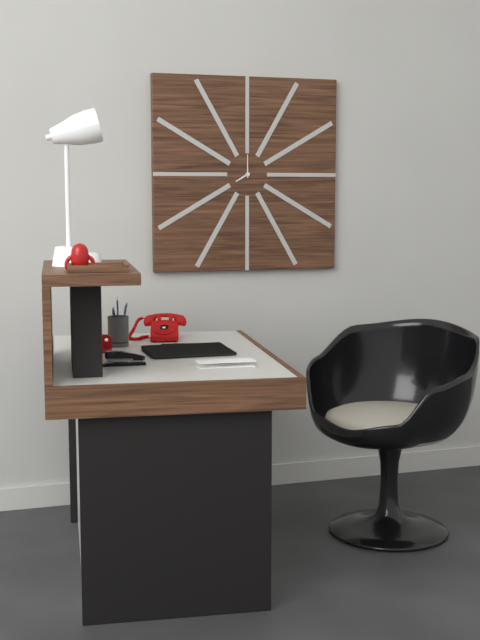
8:00
